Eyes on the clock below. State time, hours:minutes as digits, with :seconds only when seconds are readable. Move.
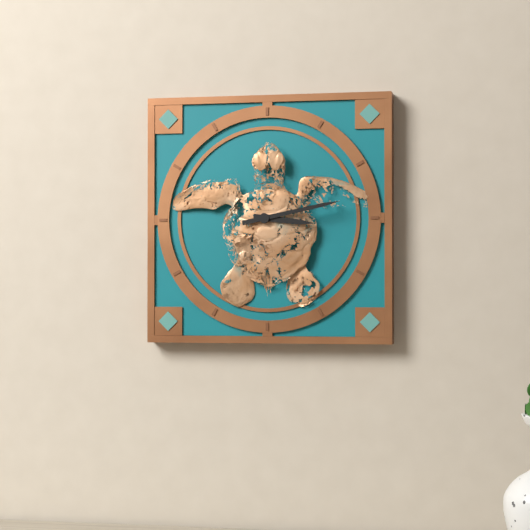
3:13
